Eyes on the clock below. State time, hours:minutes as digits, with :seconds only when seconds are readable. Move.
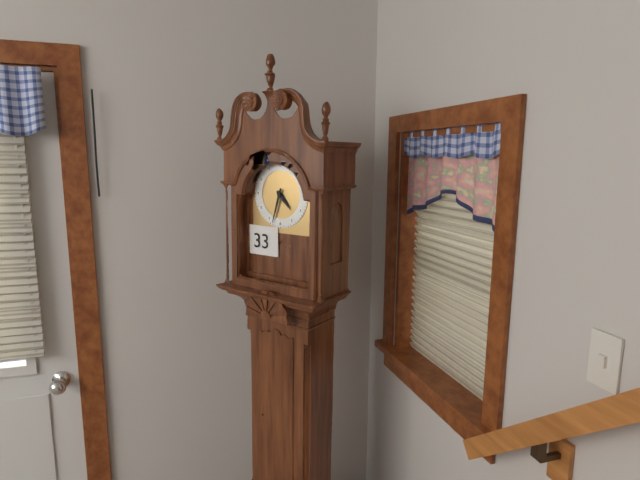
4:33
